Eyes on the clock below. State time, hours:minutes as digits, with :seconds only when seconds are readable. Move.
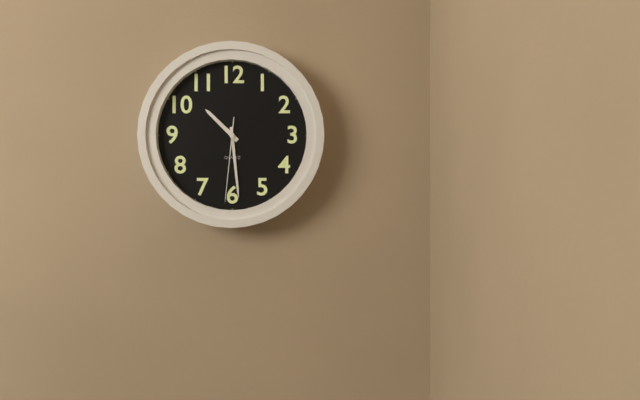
10:29:31
